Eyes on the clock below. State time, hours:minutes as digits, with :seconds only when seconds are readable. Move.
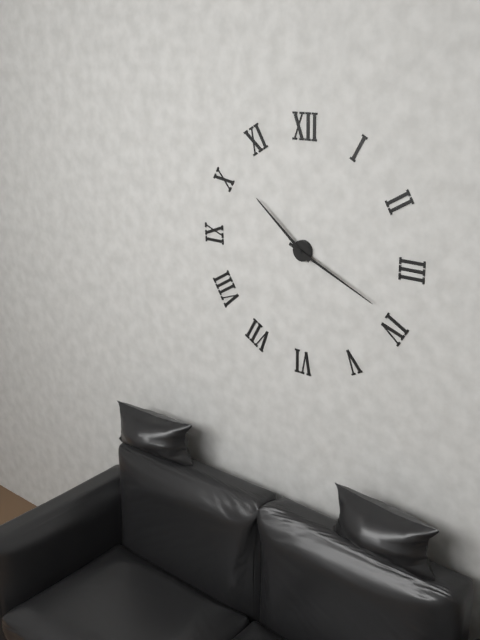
10:19
